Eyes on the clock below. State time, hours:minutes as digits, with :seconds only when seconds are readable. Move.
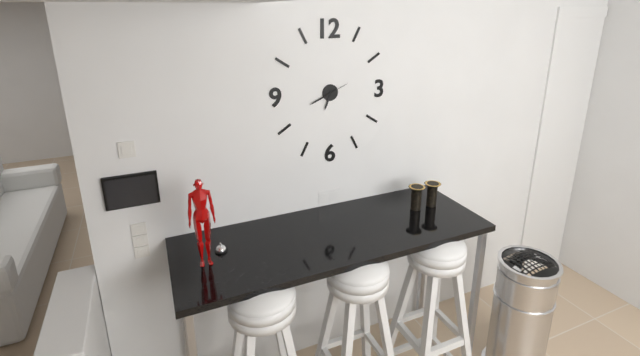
6:41
